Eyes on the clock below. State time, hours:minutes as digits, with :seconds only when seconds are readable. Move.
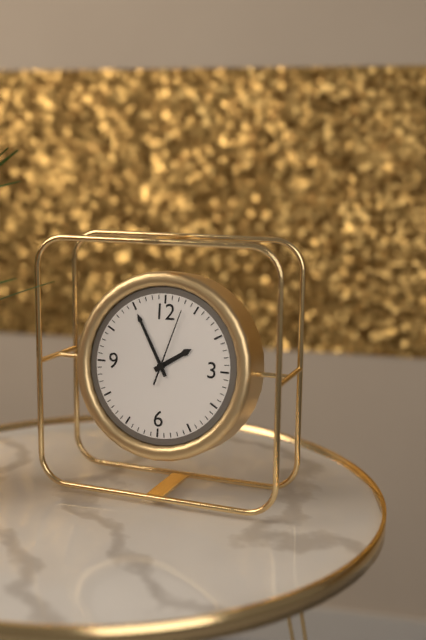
1:55:03
